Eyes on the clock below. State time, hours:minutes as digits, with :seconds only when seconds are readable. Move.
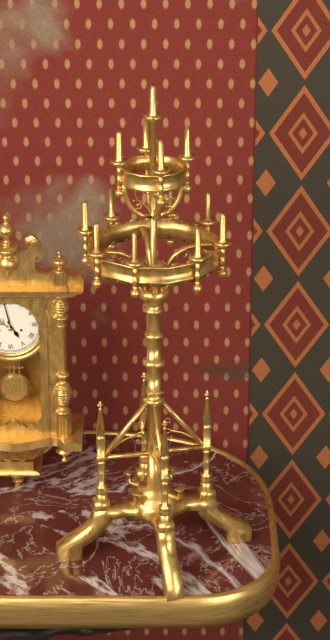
4:58
